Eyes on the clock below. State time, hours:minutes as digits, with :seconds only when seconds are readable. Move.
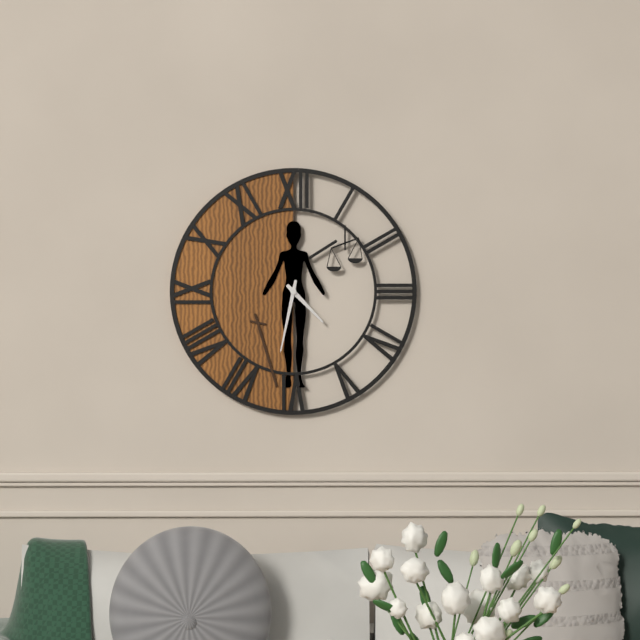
4:32
